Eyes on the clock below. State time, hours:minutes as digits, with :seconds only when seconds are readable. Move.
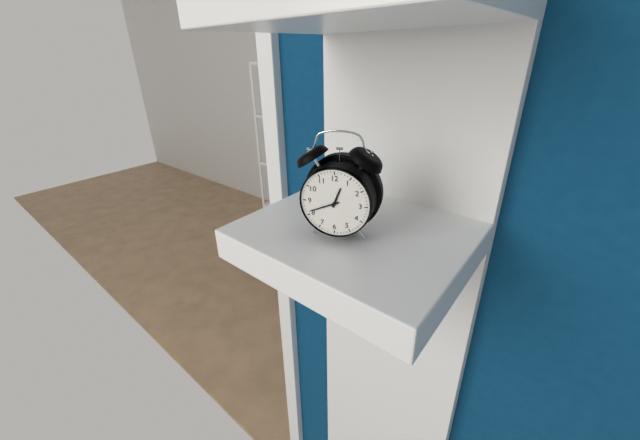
12:41
